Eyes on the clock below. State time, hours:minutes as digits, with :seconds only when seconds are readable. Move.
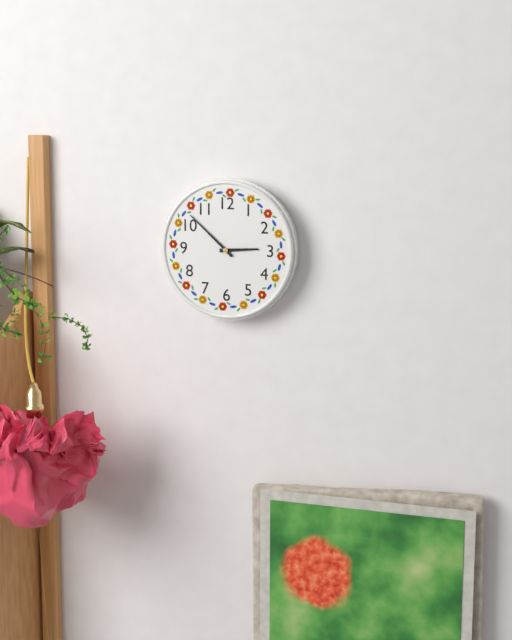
2:52
